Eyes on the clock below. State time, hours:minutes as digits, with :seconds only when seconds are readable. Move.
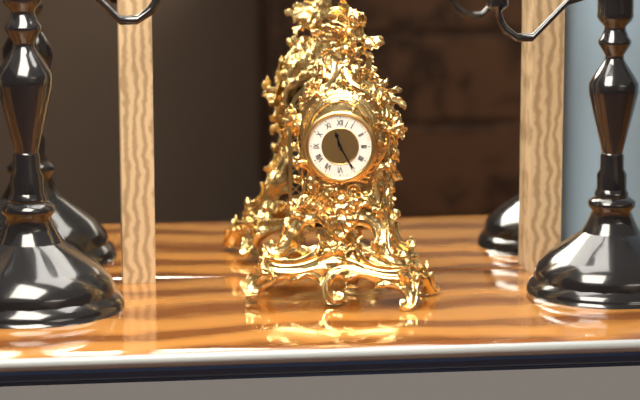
11:25
